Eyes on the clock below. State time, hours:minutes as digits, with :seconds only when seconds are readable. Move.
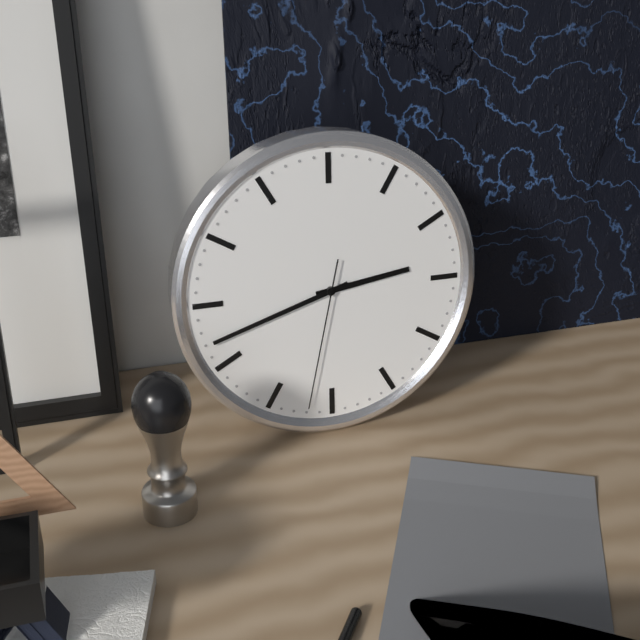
2:42:32
